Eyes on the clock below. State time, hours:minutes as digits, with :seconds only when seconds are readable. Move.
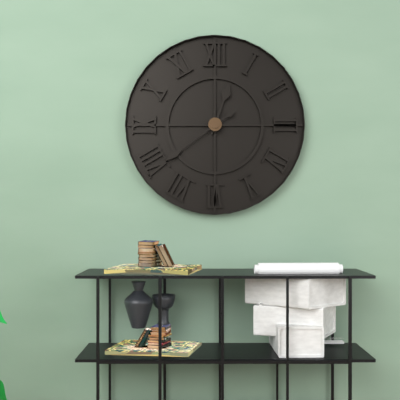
12:39
